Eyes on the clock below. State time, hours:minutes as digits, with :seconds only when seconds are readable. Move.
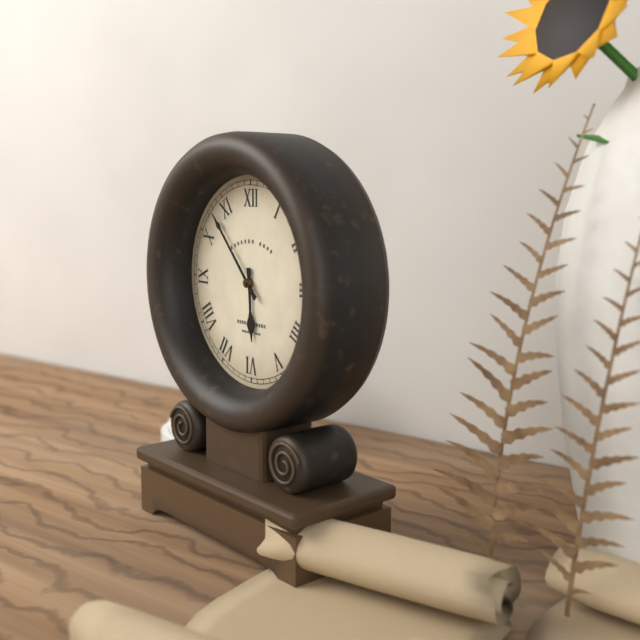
5:53
